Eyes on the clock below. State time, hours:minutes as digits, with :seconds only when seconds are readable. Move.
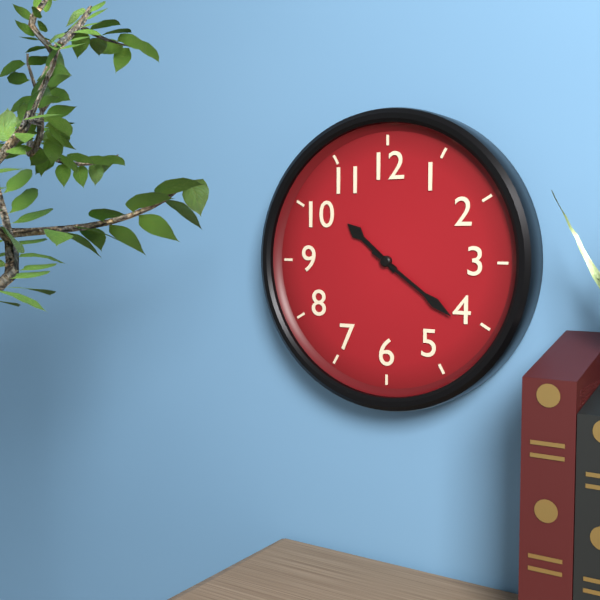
10:21
